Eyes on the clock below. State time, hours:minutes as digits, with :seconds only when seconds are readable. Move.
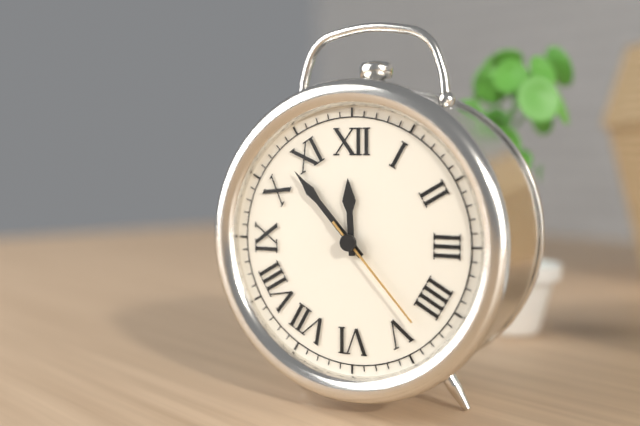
11:53:23
